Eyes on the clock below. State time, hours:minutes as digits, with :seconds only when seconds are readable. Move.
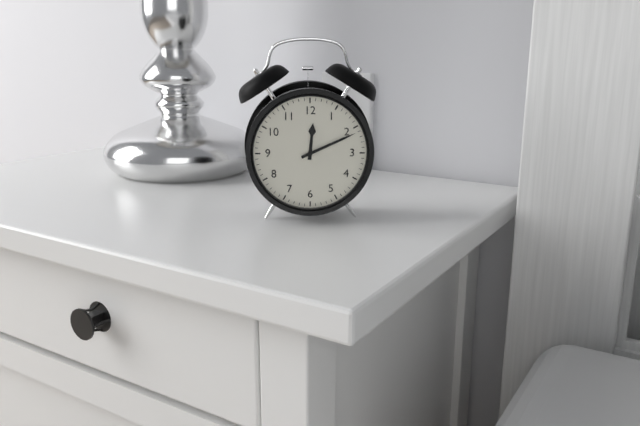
12:11
